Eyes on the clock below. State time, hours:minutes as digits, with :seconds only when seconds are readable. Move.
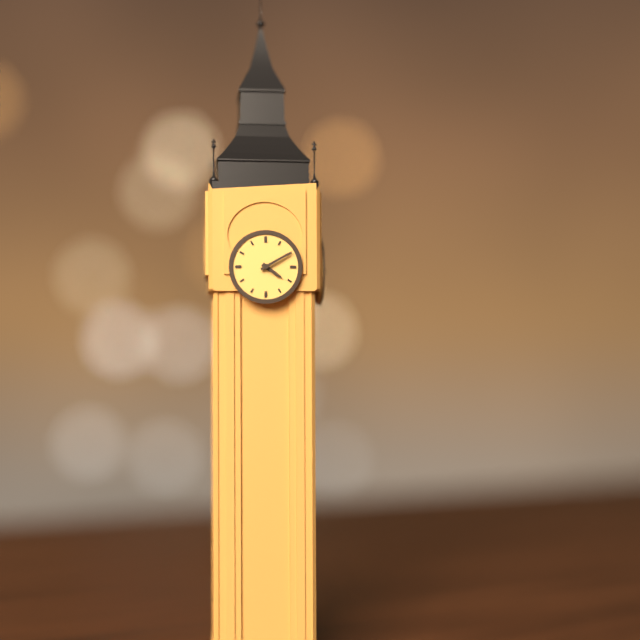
4:10
